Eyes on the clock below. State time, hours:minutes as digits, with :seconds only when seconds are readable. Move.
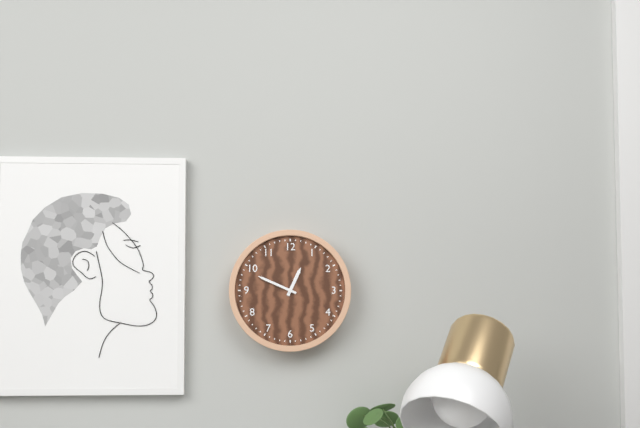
12:49
